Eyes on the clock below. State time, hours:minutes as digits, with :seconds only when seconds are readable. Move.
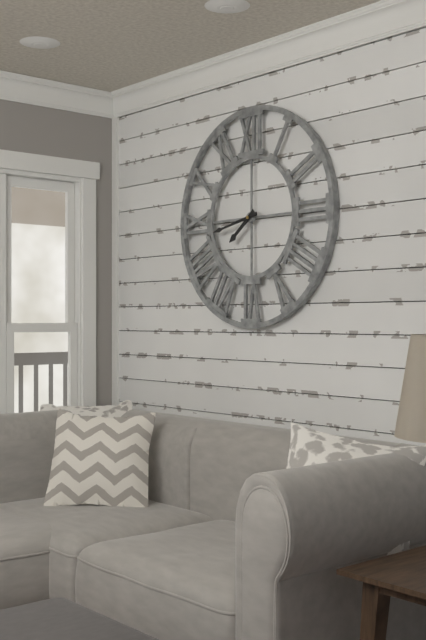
7:43
